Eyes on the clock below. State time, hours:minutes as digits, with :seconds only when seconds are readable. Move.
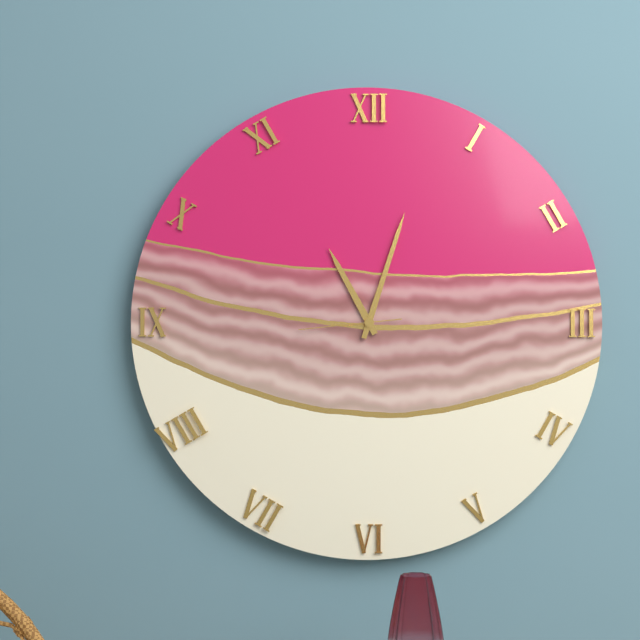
11:03:44
